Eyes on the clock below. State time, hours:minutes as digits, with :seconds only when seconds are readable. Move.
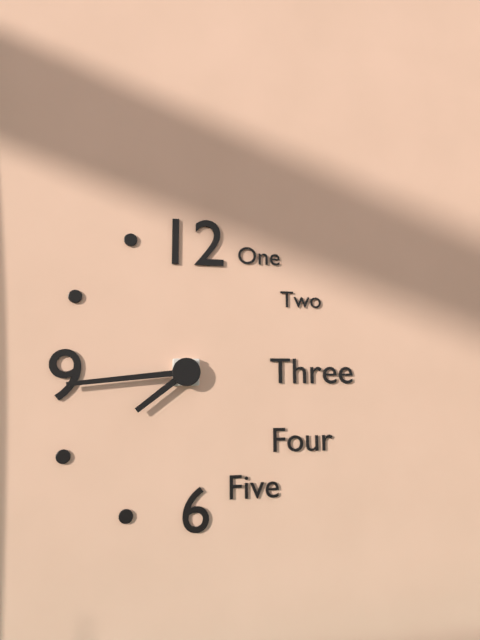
7:44
